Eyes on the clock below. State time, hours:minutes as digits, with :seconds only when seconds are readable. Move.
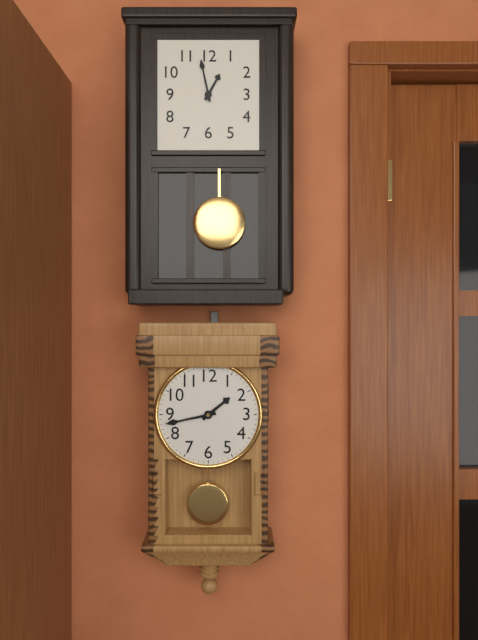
1:43
